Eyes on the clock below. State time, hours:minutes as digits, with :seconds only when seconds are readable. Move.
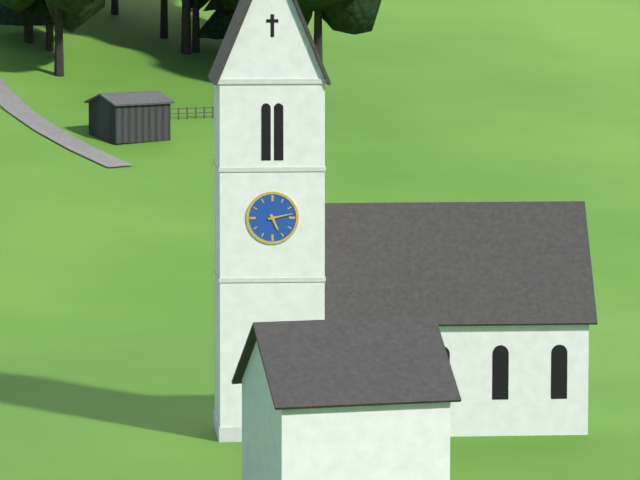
5:13
